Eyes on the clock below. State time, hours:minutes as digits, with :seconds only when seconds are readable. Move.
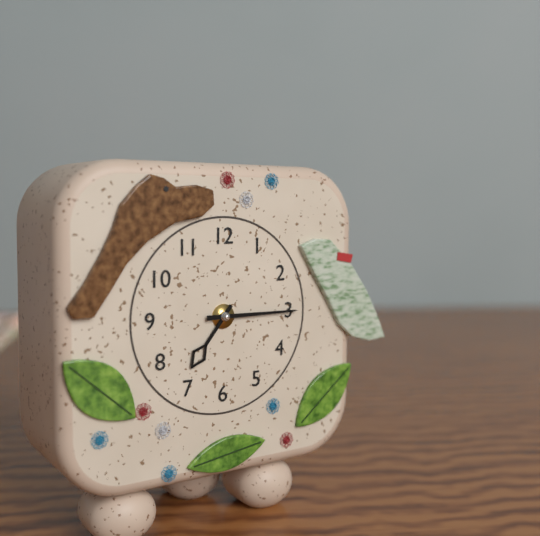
7:15
